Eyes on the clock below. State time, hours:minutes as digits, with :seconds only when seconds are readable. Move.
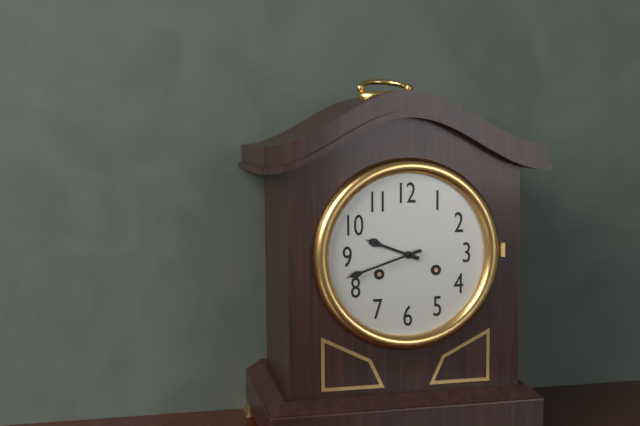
9:42
